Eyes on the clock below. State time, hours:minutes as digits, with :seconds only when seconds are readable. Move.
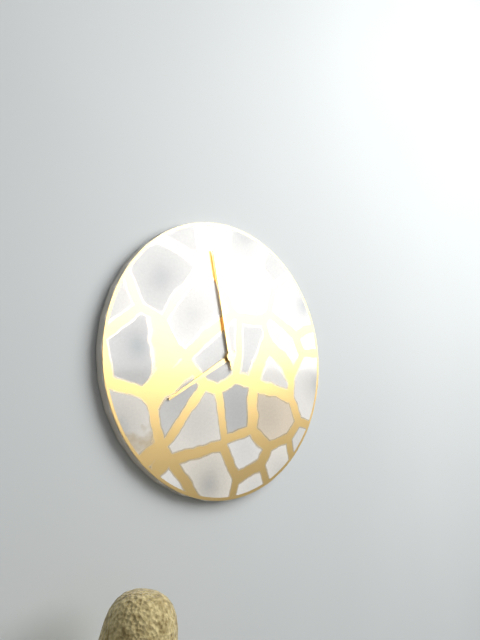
7:58
